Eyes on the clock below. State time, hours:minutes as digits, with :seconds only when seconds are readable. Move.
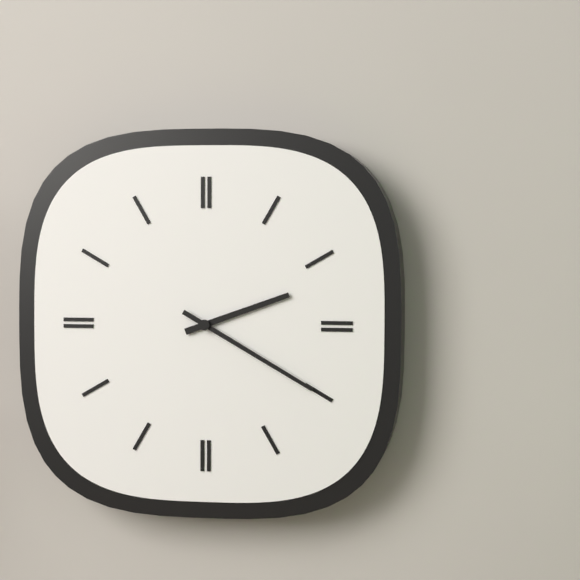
2:20
